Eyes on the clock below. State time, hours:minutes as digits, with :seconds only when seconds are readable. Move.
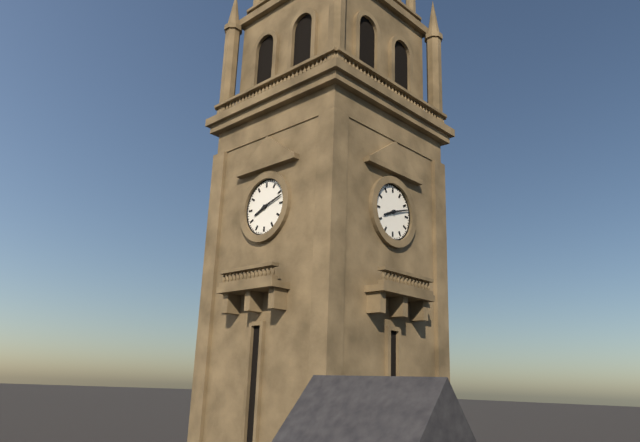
8:12
